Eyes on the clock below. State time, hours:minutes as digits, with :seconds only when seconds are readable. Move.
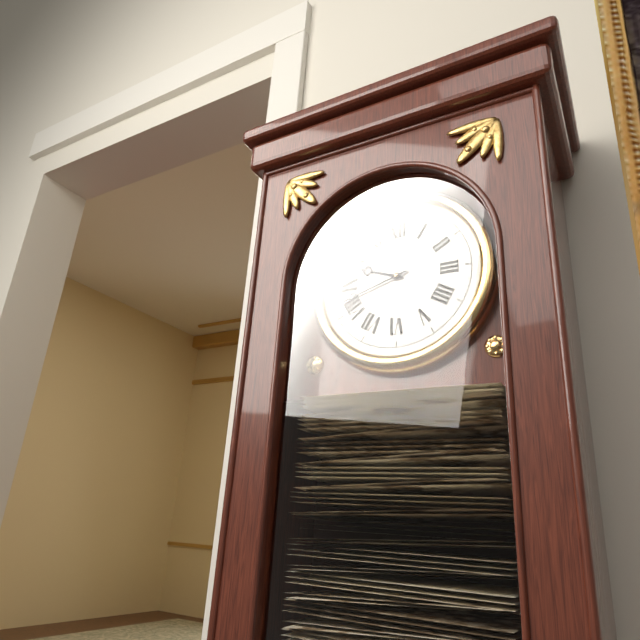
9:42
